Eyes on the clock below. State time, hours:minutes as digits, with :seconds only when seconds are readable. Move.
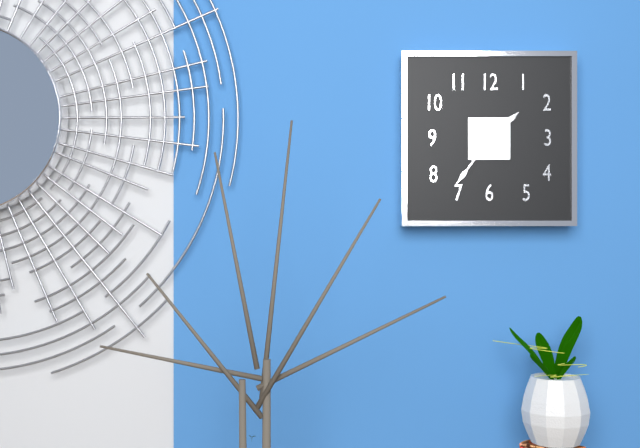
1:36
